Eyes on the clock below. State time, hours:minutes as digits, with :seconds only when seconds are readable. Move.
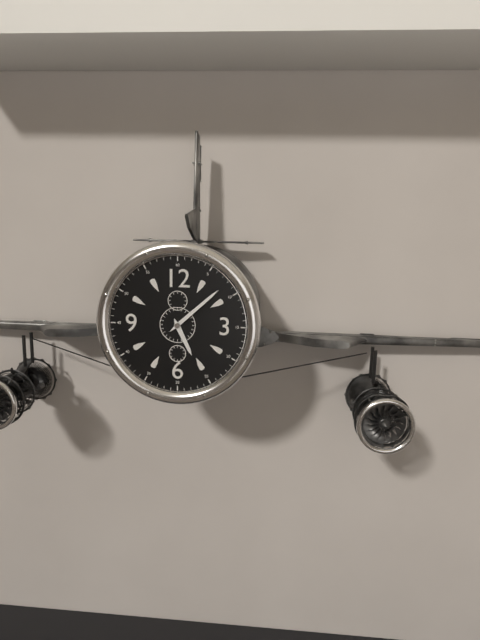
5:08
